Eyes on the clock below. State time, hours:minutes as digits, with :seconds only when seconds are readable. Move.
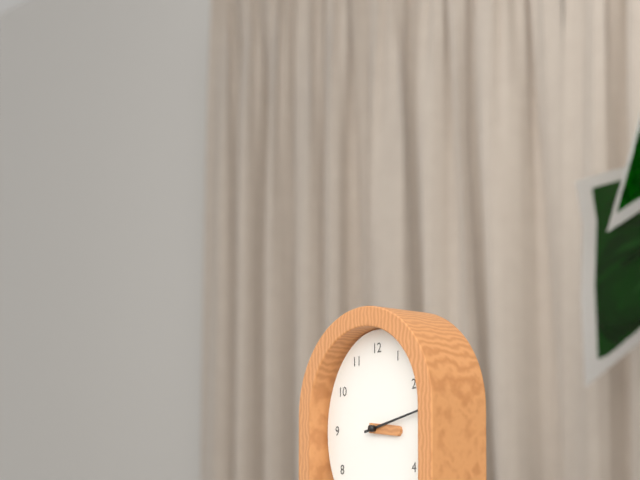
3:13
